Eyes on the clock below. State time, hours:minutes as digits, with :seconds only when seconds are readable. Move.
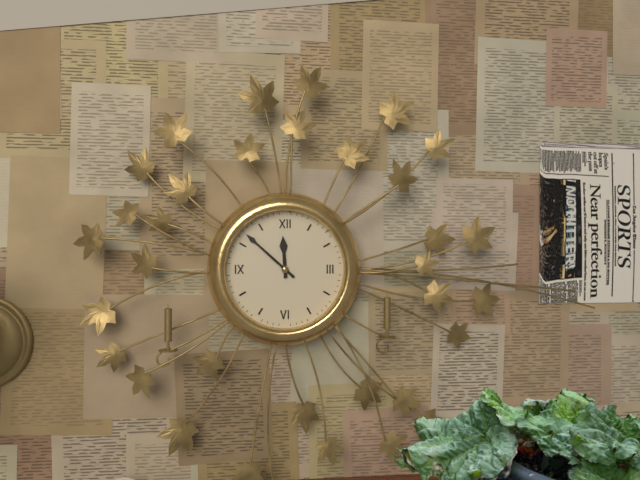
11:52
